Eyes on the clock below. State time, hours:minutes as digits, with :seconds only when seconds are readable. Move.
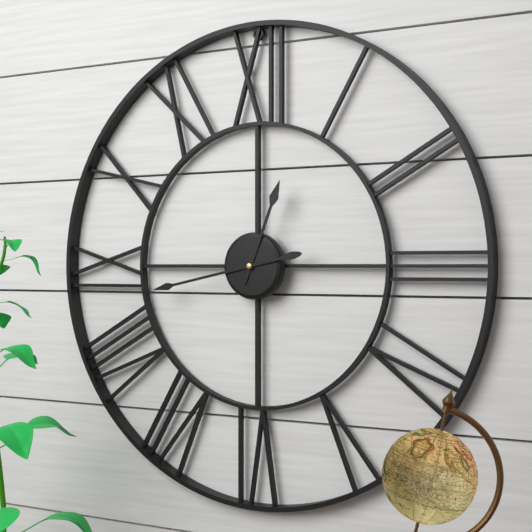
12:43
